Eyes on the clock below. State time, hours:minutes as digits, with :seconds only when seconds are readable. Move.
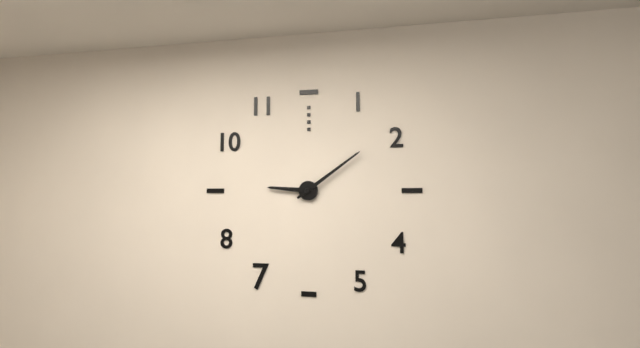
9:09
